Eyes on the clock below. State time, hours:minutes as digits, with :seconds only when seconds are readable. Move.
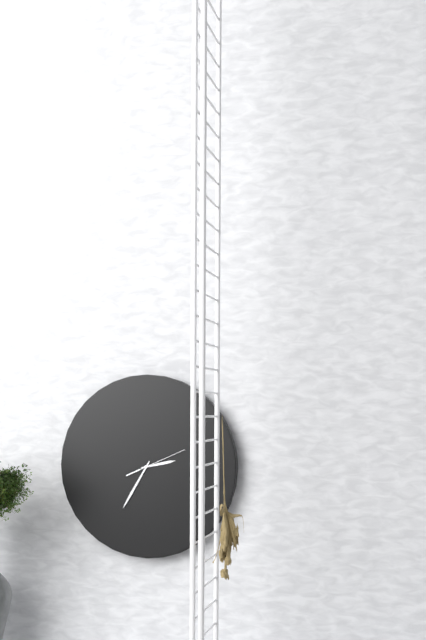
2:35:11
